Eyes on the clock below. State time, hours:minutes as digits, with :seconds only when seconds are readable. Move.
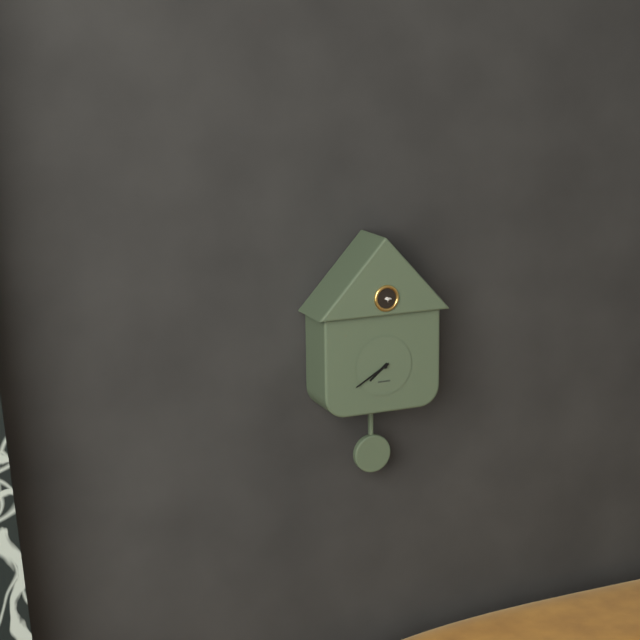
7:40
